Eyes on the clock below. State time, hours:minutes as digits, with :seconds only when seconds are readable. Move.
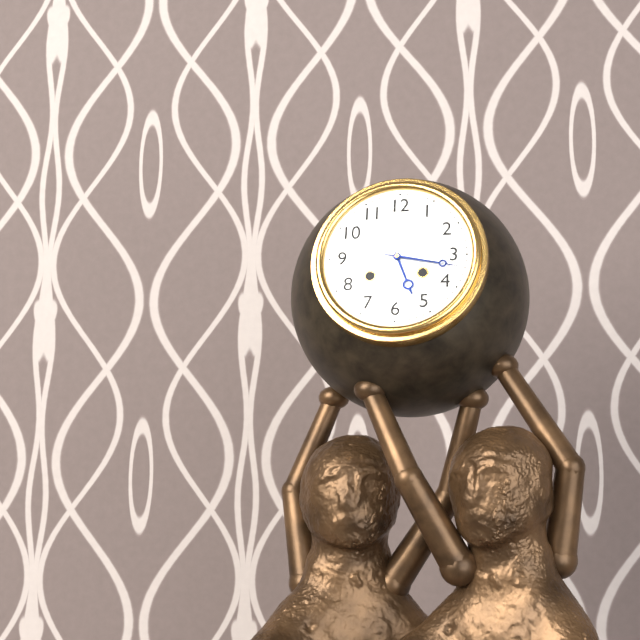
5:17
